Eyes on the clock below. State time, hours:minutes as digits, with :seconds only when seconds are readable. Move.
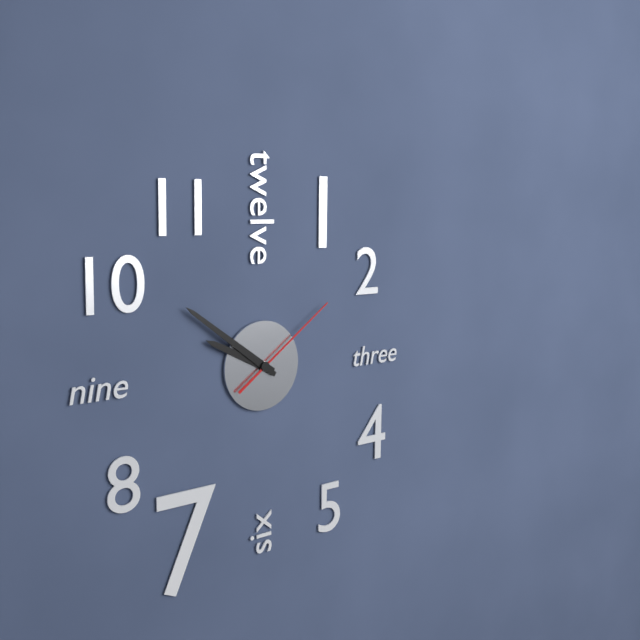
9:51:09
